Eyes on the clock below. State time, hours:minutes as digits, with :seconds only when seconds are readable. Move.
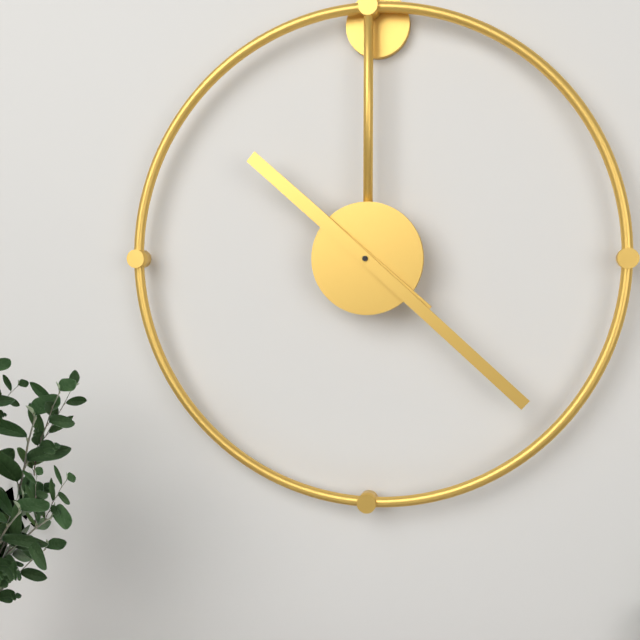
10:22
